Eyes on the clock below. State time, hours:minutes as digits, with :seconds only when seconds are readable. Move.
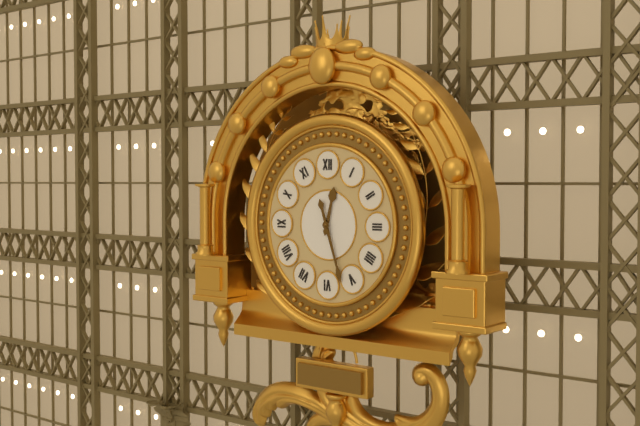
12:27
